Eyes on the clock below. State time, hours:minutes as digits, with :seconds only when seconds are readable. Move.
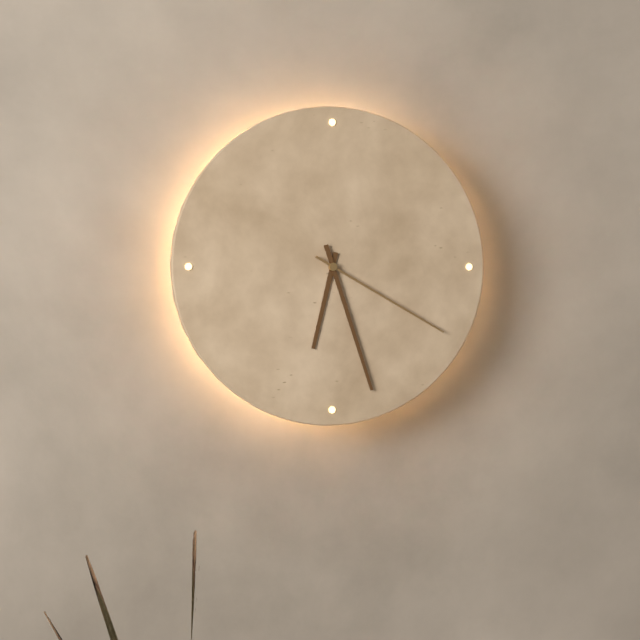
6:27:20
